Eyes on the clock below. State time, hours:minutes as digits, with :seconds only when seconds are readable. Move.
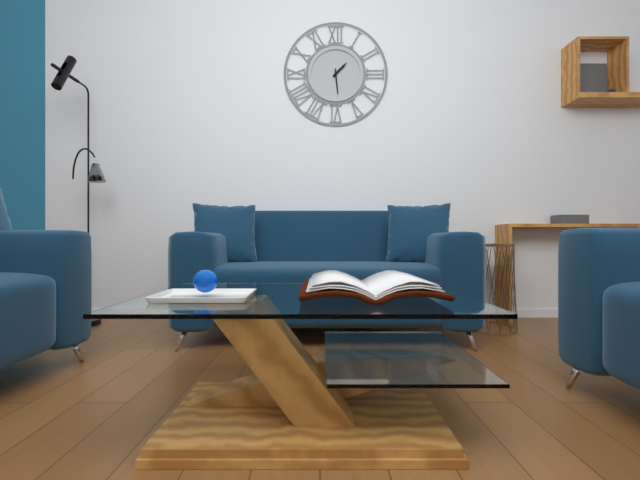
1:29
